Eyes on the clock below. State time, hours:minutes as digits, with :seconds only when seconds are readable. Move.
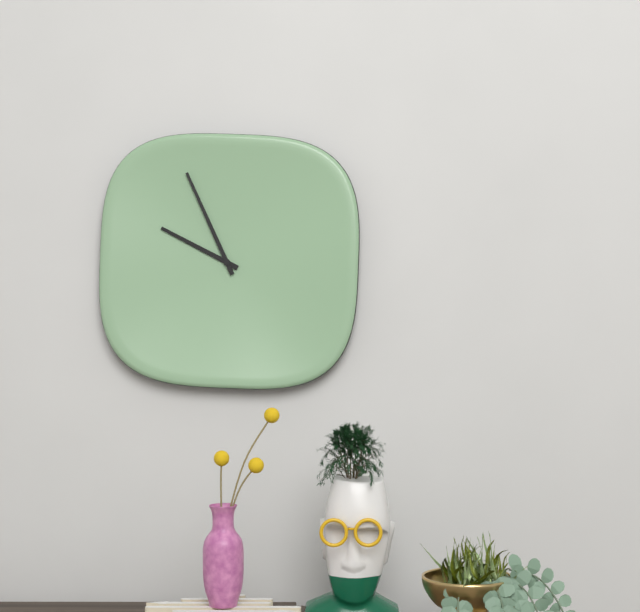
9:56
